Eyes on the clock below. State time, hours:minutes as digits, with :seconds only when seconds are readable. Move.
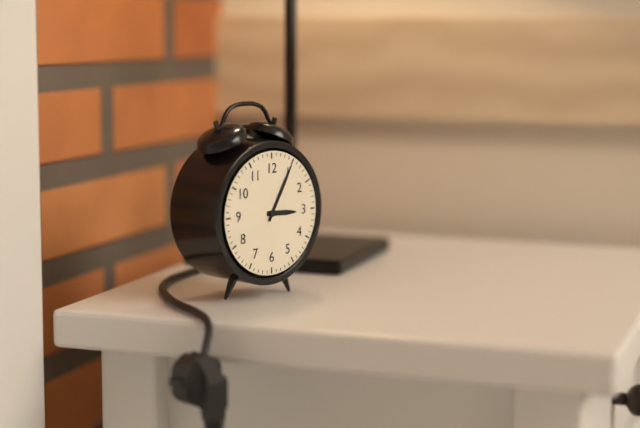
3:05
